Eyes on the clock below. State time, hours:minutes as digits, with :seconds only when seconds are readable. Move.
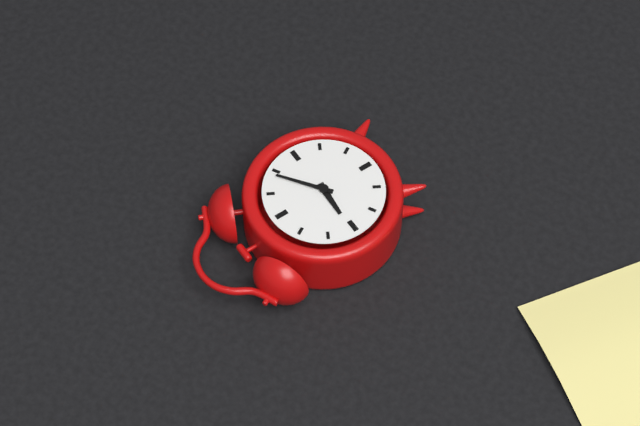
9:09
